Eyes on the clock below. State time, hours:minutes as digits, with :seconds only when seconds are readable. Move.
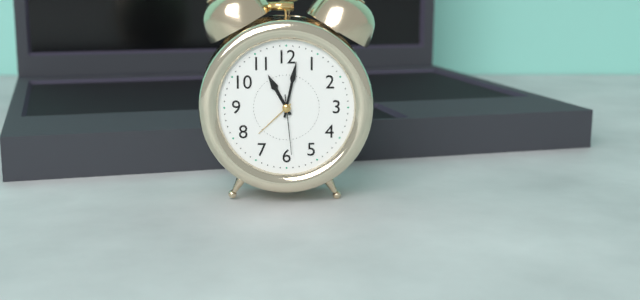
11:02:29
